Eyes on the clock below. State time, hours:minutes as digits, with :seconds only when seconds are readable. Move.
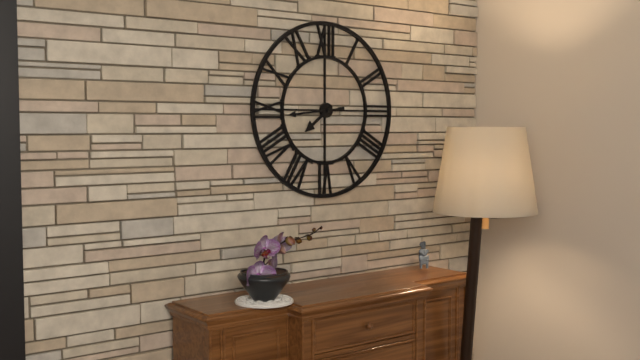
7:44
